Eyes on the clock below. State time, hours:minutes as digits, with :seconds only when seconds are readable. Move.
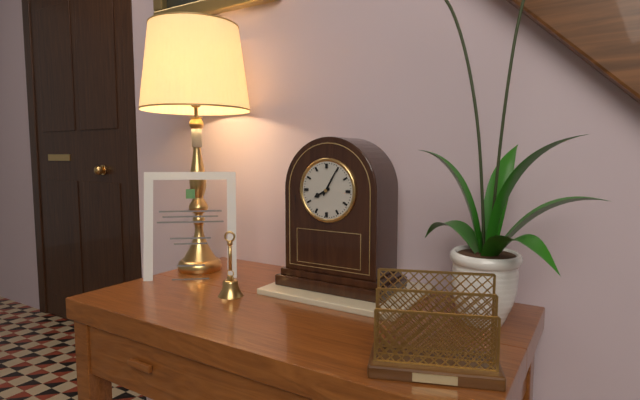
8:05
